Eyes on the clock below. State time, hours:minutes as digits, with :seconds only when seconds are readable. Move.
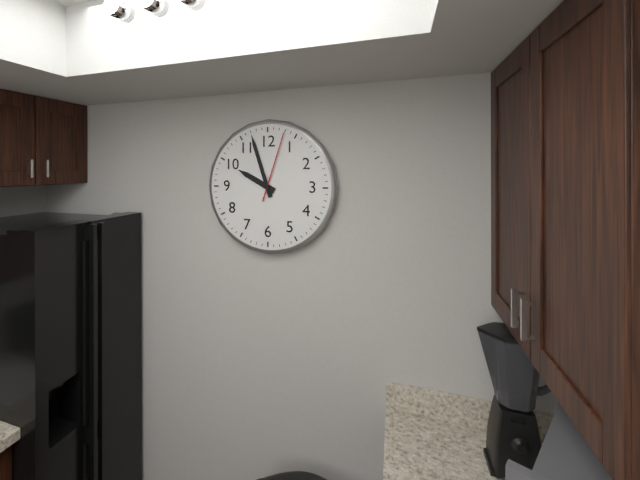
9:57:03
